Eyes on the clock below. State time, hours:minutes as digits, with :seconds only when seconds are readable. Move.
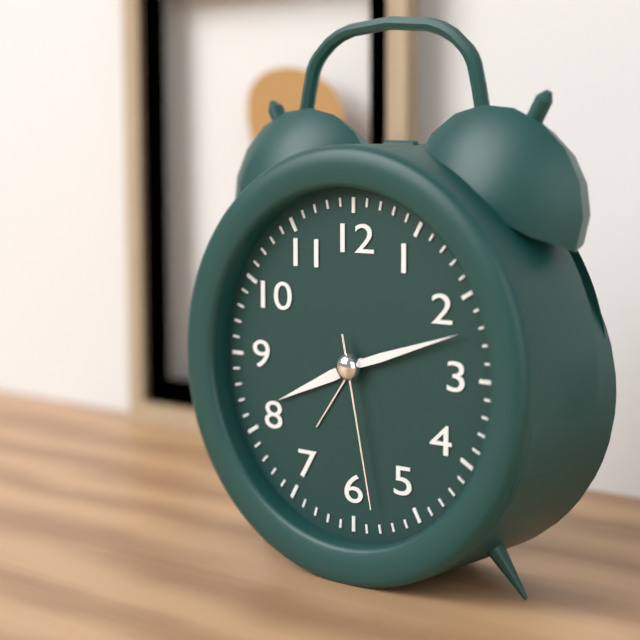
8:12:28
